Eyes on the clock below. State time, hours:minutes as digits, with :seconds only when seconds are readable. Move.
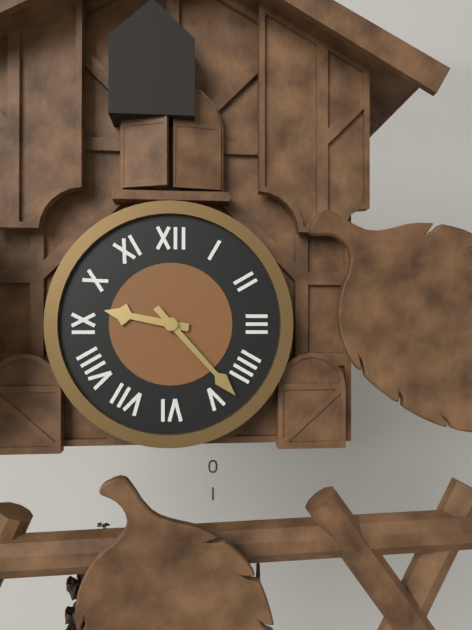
9:23
